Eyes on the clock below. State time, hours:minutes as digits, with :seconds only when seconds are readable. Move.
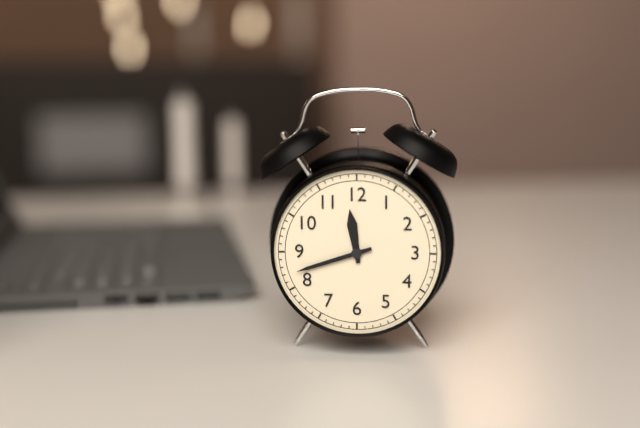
11:42
